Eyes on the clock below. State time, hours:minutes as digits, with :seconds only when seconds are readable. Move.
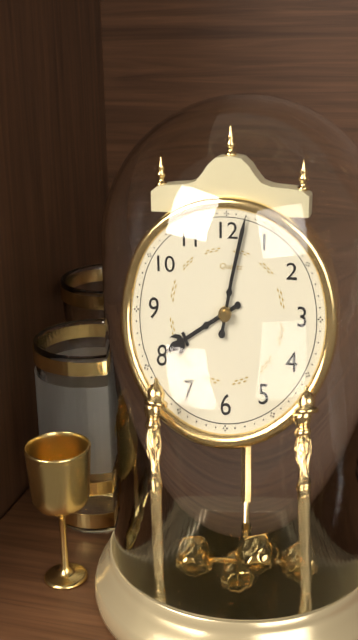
8:02
